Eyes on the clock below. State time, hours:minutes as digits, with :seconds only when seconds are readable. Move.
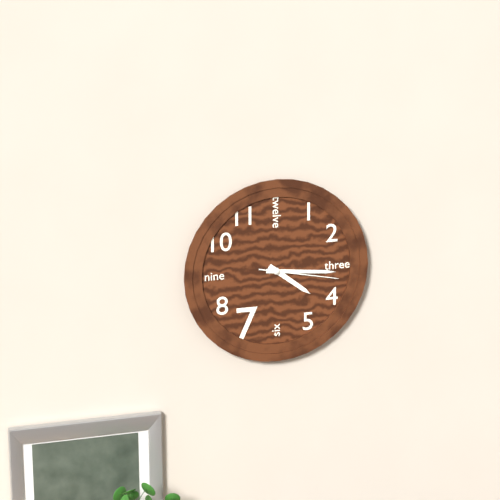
4:16:17
